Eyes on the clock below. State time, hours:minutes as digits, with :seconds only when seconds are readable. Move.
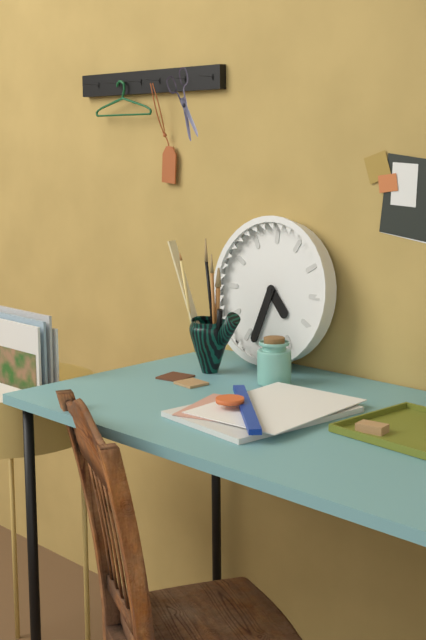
4:33
